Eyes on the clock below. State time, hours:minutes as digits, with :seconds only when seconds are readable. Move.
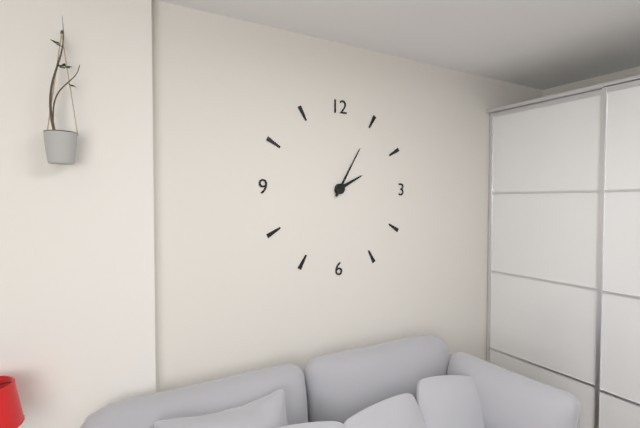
2:05
